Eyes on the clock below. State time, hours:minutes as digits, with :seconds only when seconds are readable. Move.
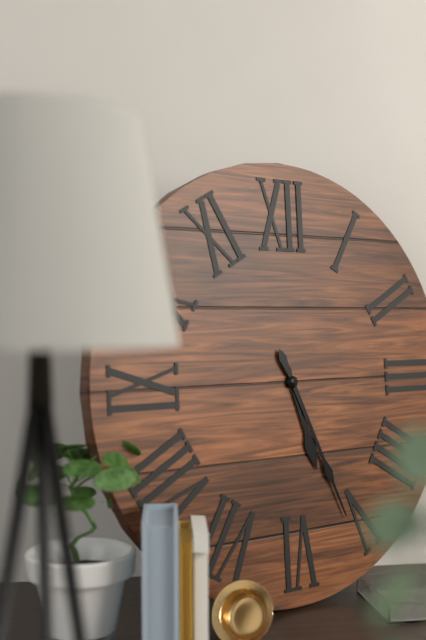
5:26
